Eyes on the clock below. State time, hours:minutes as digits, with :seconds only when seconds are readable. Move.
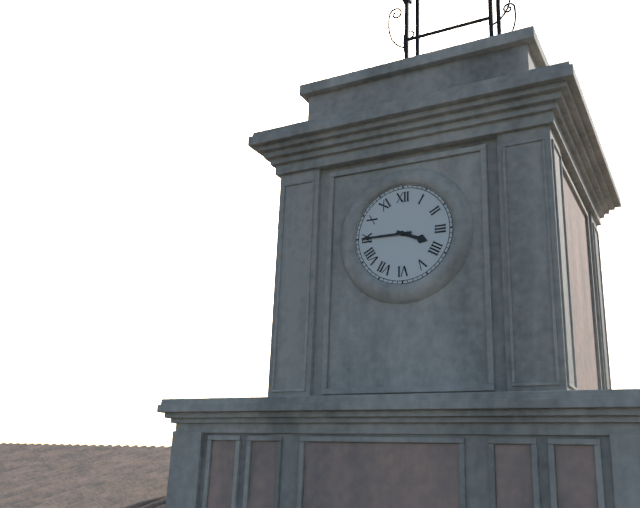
3:45
